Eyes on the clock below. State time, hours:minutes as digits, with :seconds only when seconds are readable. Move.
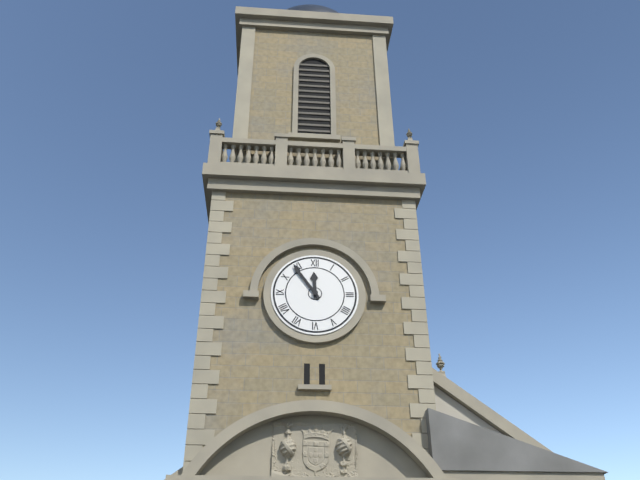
11:54
